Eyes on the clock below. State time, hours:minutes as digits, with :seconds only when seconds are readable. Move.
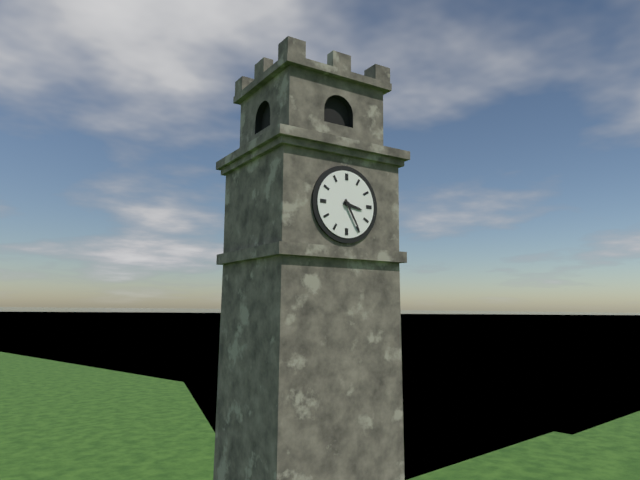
3:25
